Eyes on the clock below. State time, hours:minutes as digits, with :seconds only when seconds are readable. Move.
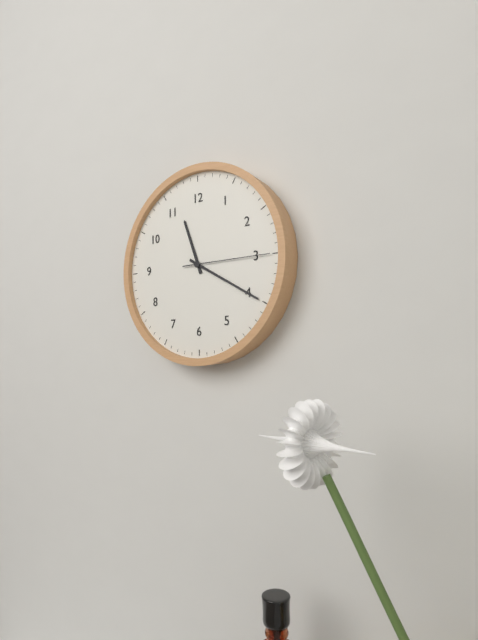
11:20:15
